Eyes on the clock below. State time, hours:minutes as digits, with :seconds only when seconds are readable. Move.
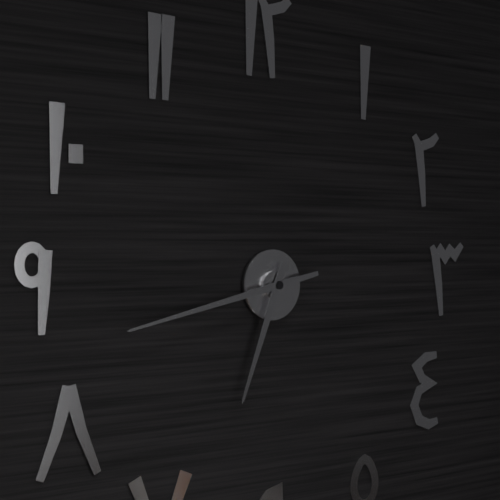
6:43
